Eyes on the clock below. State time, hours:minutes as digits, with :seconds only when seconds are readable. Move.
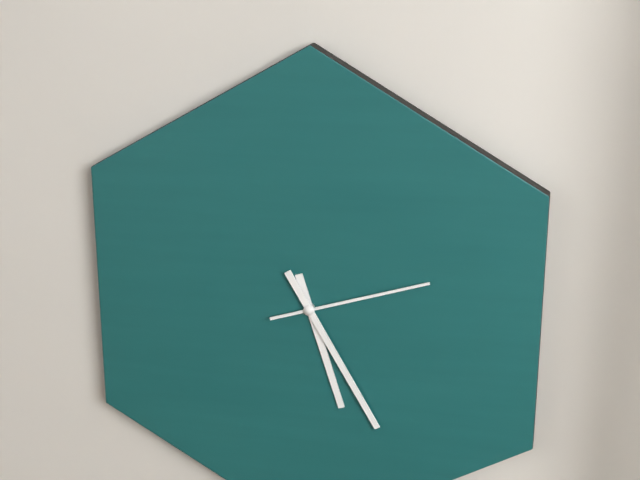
5:25:12
